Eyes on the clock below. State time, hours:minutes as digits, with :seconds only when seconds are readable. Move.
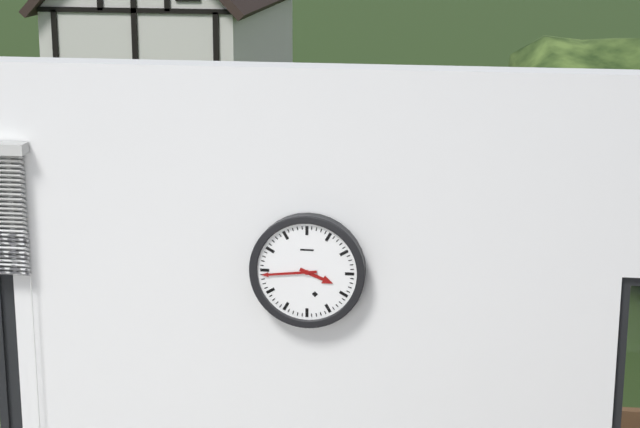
3:44
